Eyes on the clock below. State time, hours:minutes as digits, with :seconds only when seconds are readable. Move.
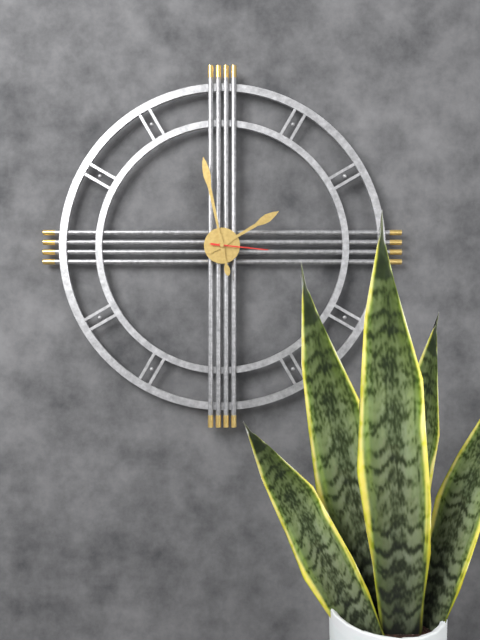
1:58:16
